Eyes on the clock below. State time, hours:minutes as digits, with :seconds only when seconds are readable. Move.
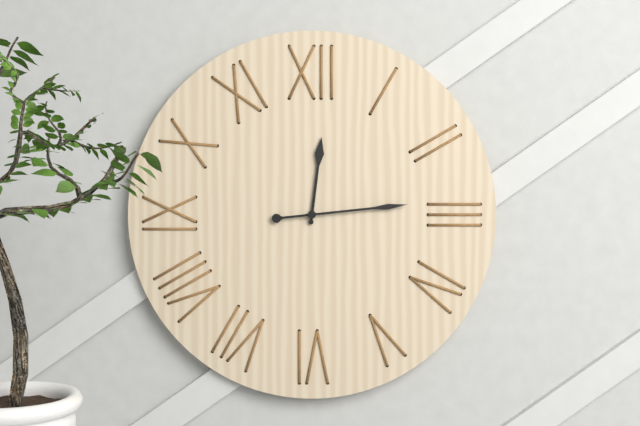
12:14
